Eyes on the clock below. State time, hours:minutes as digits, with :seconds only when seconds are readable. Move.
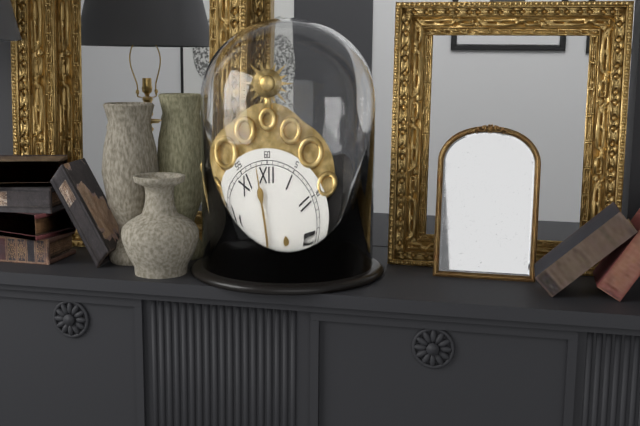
2:58
